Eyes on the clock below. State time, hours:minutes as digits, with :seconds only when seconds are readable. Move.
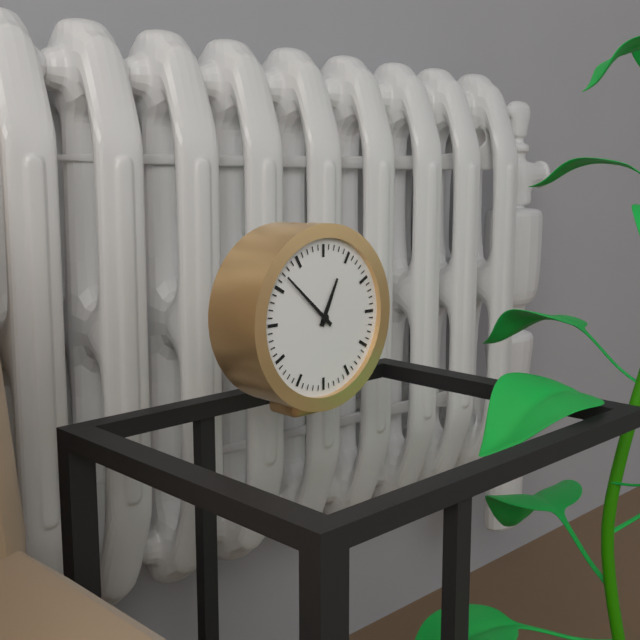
12:52
